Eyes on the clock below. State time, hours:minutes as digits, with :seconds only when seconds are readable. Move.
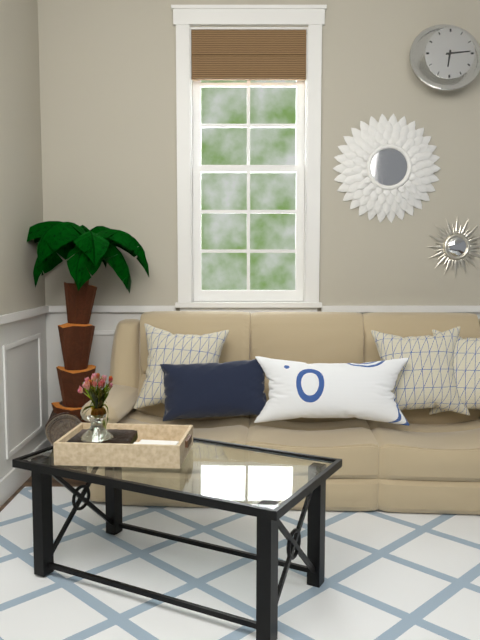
6:14
